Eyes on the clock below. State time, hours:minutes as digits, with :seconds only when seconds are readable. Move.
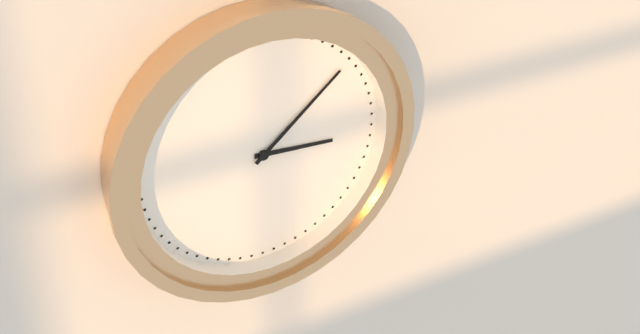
3:08
